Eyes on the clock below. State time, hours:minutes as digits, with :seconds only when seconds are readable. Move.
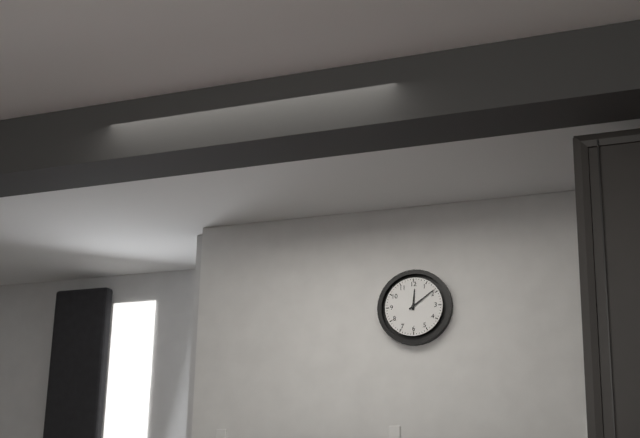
12:09
